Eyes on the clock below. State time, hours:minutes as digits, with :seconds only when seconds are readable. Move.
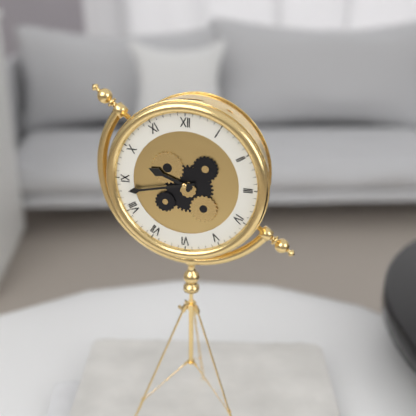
9:43
